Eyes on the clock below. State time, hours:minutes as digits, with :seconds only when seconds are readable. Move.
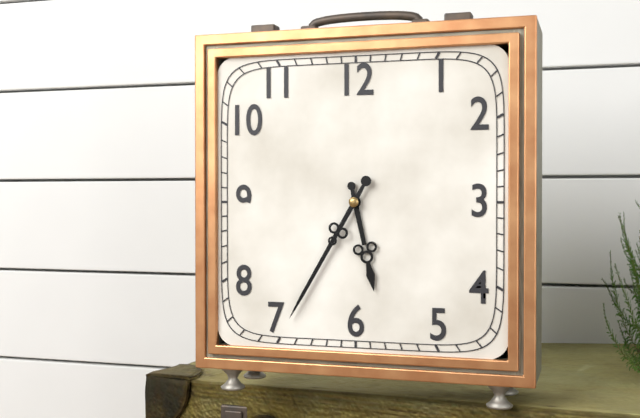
5:35
